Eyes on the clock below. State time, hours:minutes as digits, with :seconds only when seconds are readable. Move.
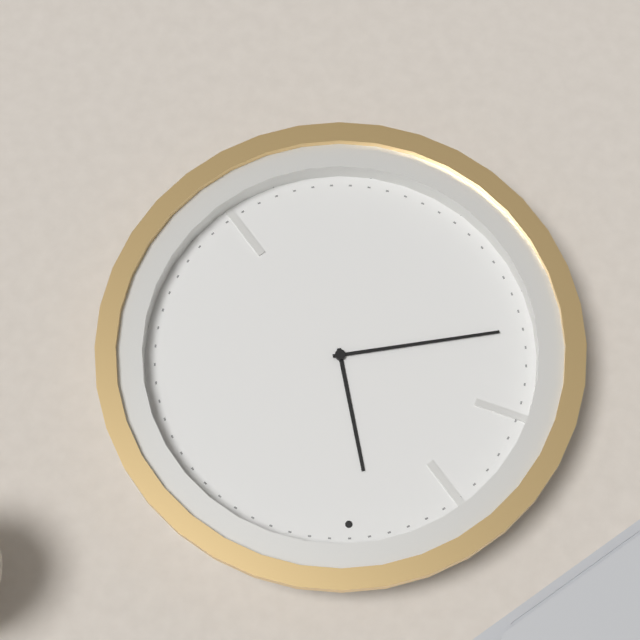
11:44
